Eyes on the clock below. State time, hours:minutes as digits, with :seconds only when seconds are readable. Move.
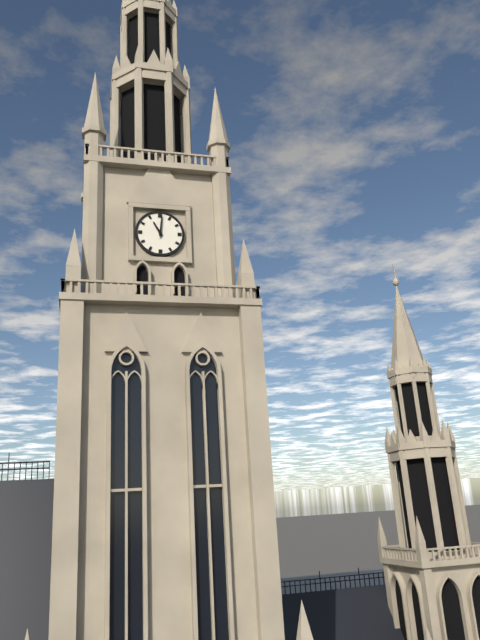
11:01
